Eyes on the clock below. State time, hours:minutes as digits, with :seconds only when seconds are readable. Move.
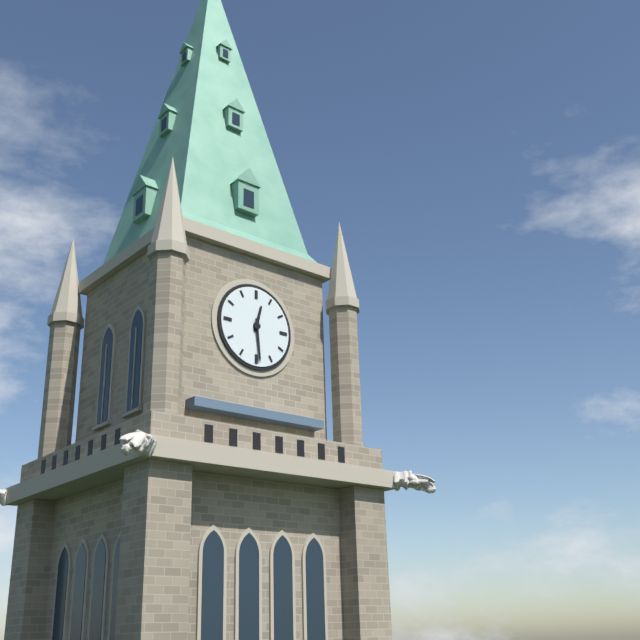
12:29
